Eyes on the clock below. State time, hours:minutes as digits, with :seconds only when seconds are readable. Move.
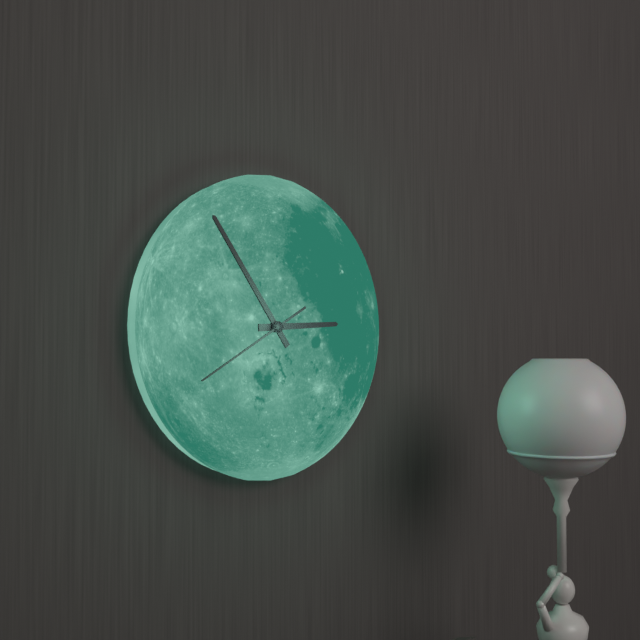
2:54:40
